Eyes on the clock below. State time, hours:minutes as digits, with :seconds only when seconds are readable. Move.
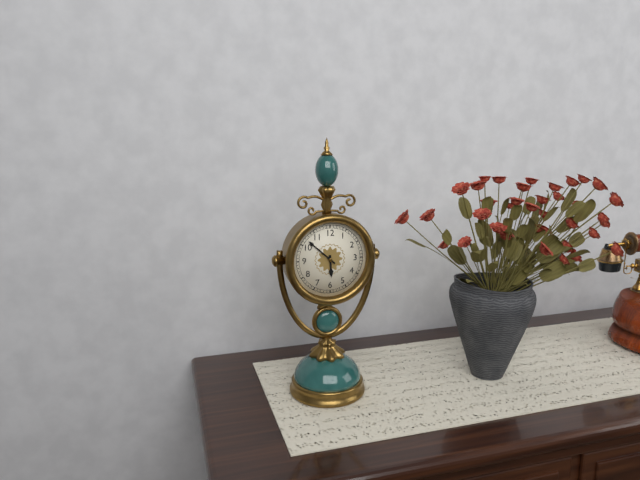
5:52
